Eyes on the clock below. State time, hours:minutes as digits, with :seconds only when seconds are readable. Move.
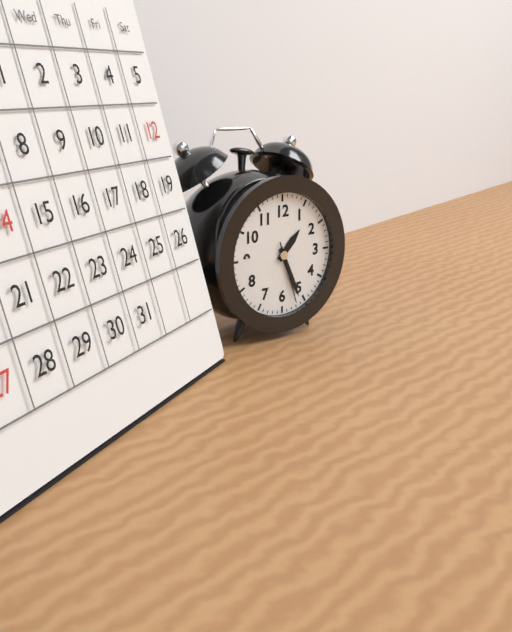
1:26:27
